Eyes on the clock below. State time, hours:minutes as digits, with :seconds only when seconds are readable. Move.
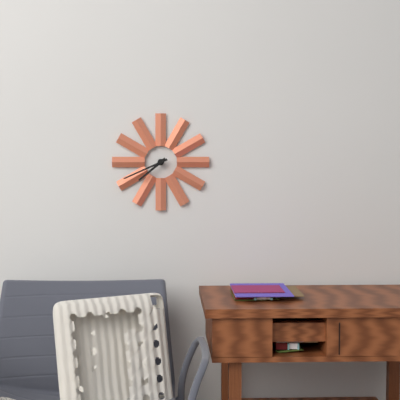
7:41
